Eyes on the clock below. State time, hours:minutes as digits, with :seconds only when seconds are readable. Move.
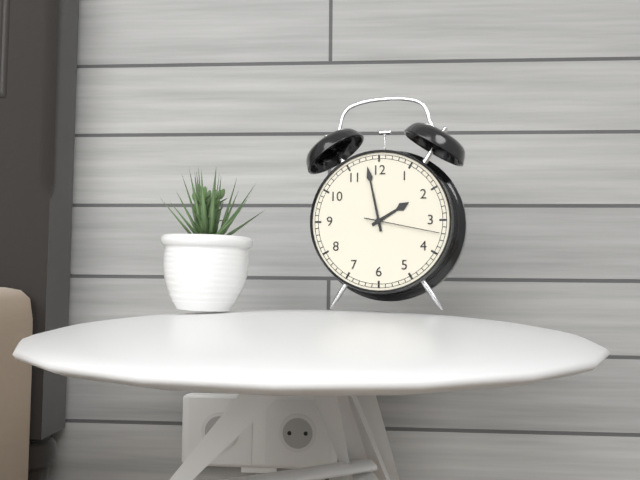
1:58:17
